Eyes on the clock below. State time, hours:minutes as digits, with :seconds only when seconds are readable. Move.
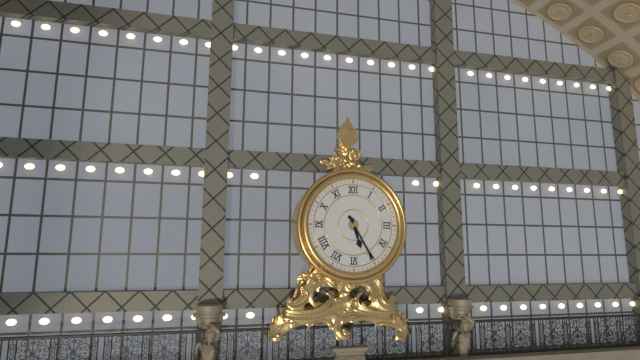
5:25
